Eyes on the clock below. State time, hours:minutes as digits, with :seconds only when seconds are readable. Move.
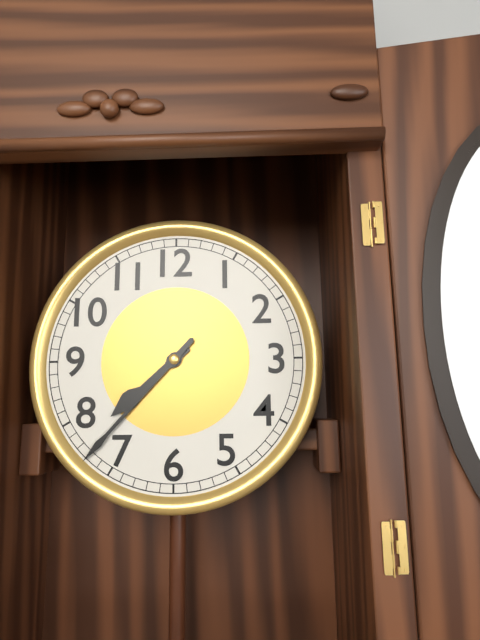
7:37
